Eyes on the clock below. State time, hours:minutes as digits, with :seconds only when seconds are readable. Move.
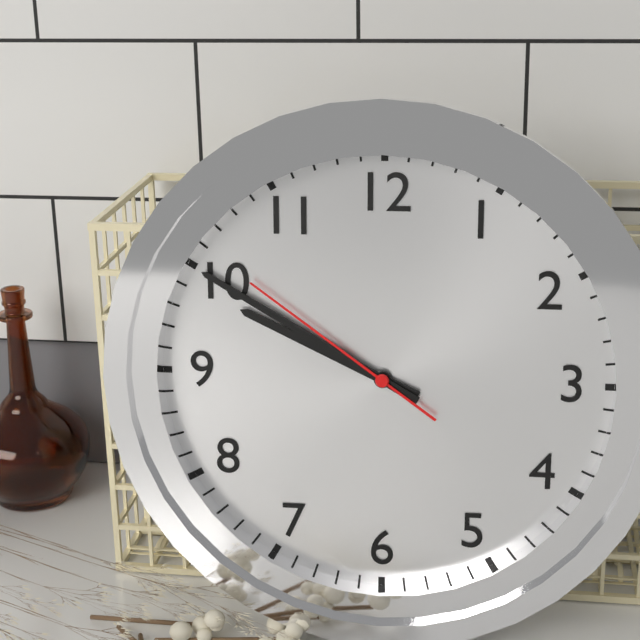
9:50:51
